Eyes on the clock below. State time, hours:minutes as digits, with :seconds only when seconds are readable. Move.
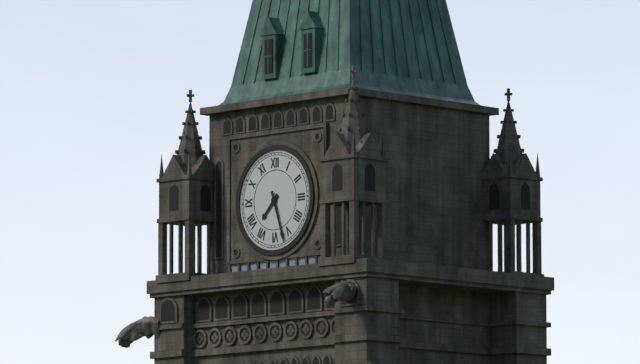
7:27
